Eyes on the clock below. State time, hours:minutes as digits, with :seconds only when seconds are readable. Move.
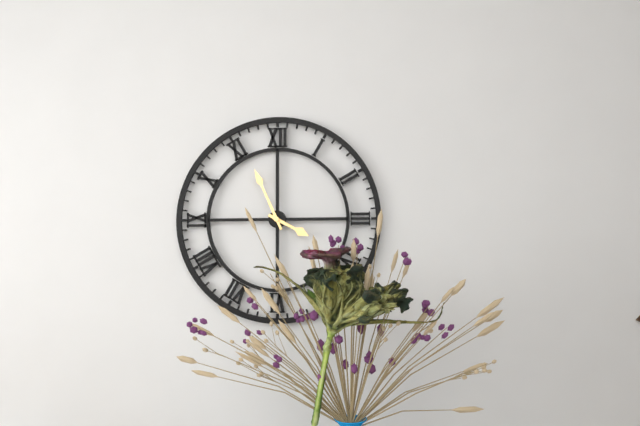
3:56
